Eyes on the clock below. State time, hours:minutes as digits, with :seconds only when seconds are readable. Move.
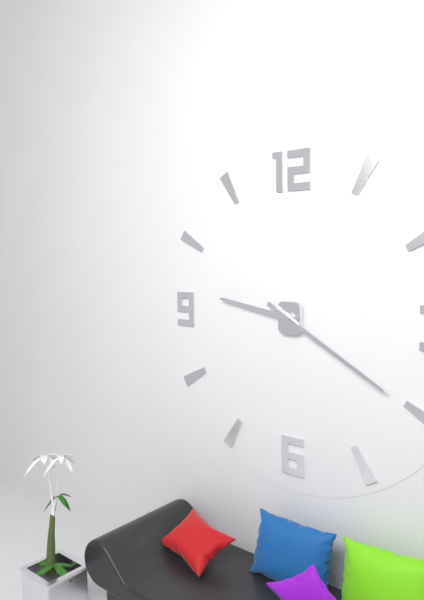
9:20
